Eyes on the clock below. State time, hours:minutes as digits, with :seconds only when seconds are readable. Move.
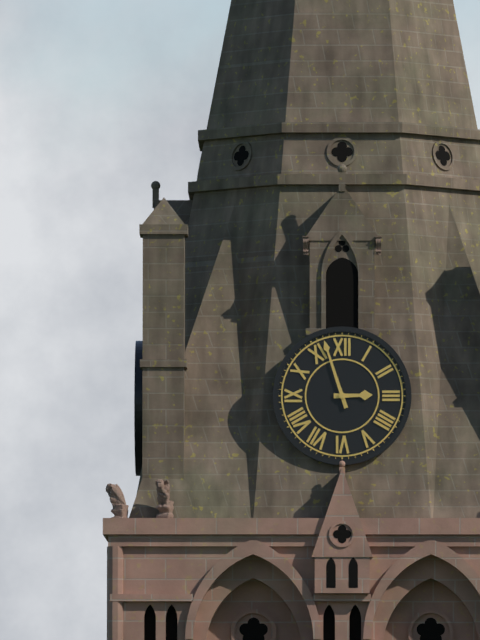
2:57
